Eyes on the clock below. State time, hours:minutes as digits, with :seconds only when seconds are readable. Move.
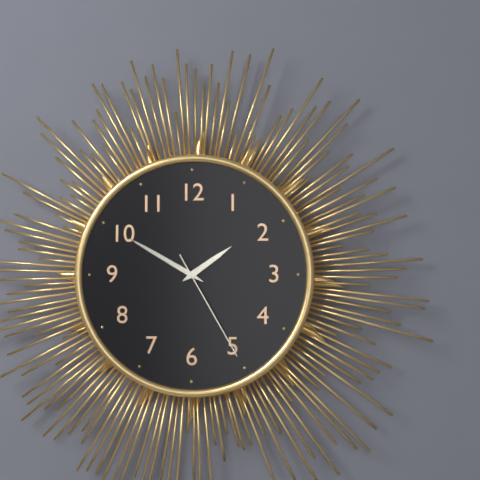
1:50:25
